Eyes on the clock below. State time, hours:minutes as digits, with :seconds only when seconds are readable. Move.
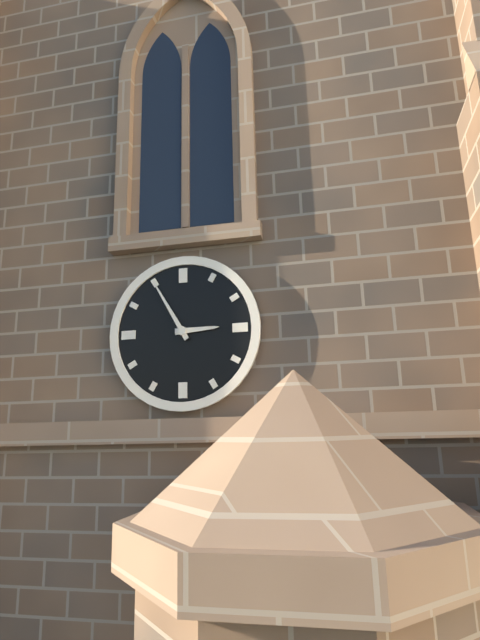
2:55
